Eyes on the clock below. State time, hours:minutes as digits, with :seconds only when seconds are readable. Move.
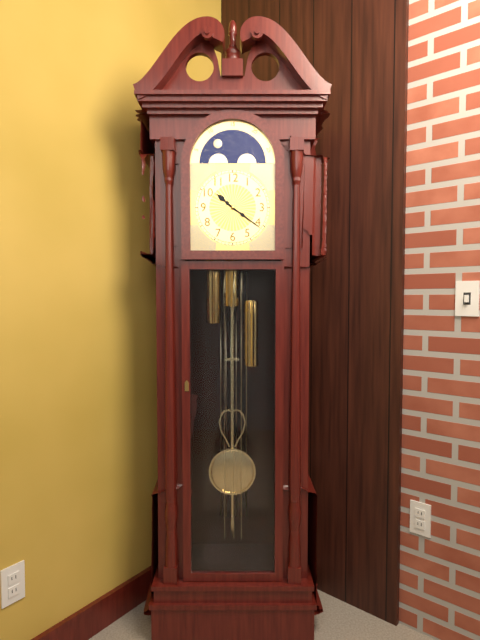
10:21
